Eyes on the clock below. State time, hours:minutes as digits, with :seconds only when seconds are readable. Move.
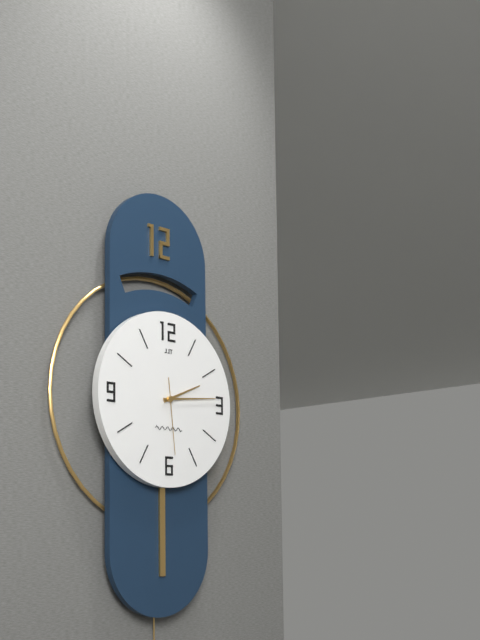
2:14:29
